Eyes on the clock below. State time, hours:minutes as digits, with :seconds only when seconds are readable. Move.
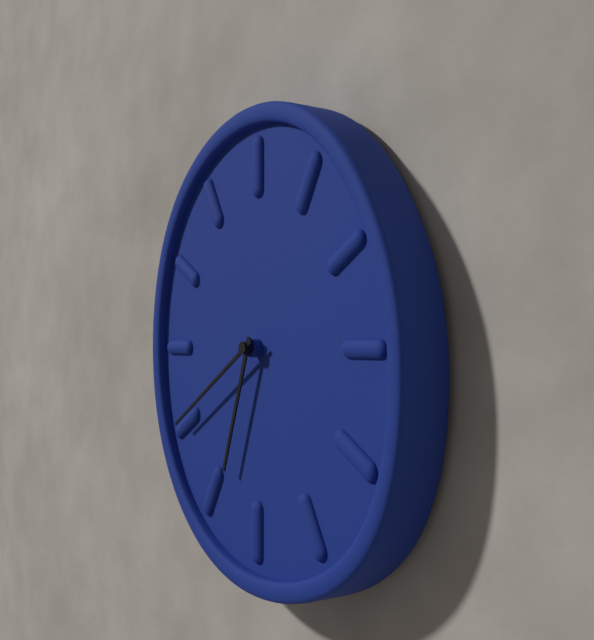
6:40
